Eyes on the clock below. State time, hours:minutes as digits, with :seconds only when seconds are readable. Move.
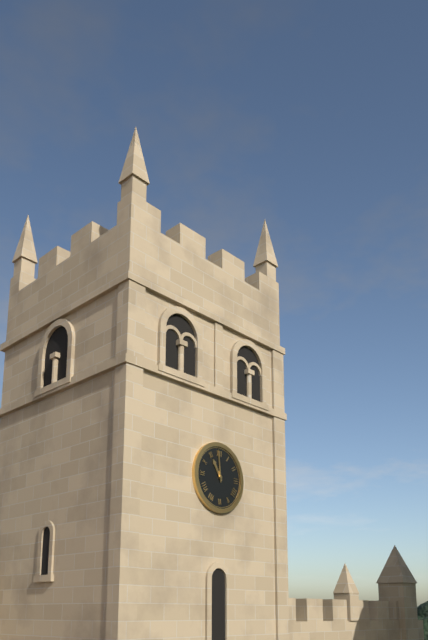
10:59
